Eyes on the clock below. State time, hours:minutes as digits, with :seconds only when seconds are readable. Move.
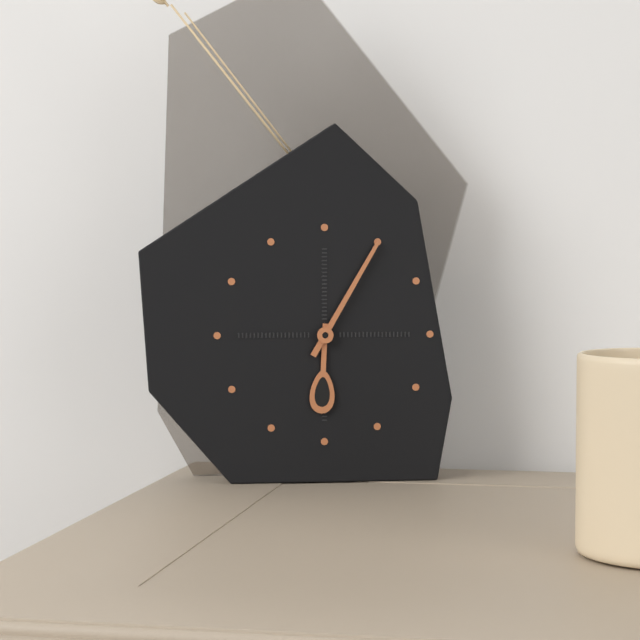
6:05
